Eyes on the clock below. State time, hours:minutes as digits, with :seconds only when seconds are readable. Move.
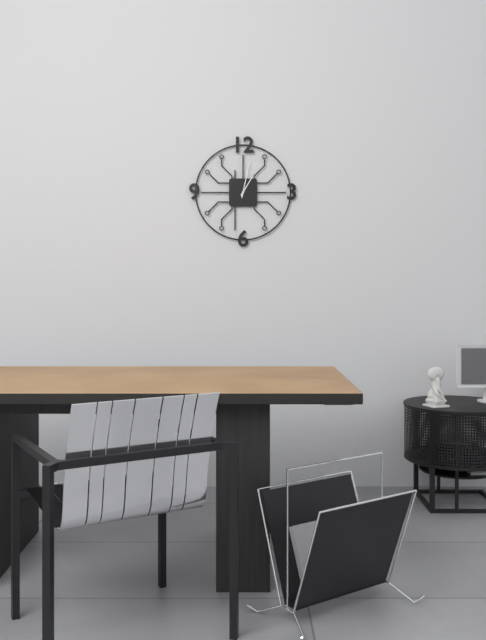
1:02
